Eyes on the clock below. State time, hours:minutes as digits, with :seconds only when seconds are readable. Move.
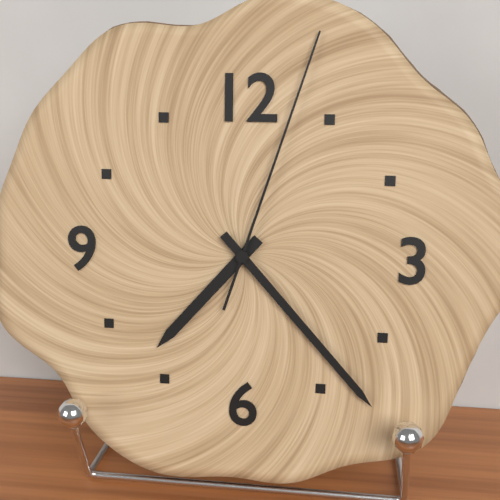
7:23:03
